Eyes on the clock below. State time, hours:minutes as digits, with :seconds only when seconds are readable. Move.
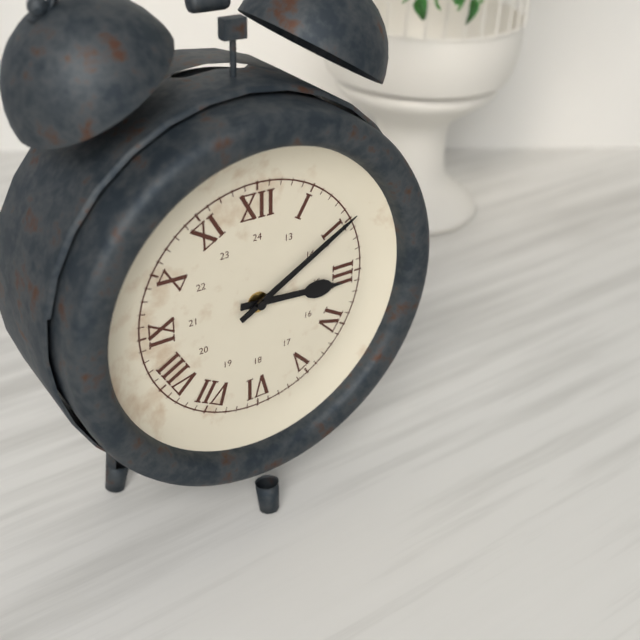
3:10
